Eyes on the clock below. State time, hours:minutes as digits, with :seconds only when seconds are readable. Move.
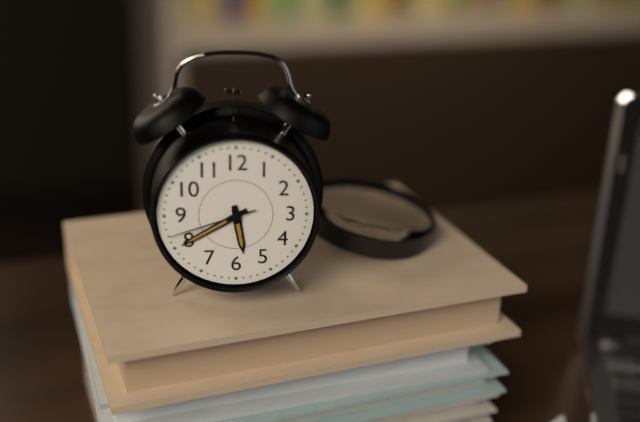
5:40:42
